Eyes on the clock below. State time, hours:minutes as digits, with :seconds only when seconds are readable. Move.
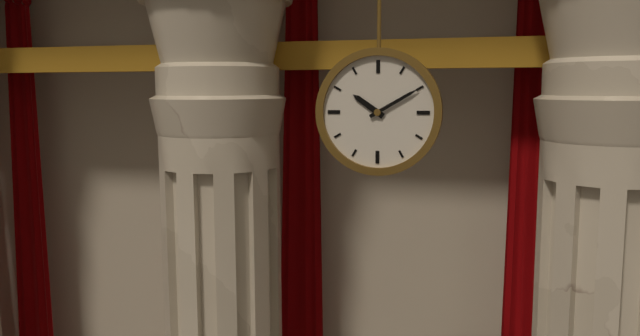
10:10
